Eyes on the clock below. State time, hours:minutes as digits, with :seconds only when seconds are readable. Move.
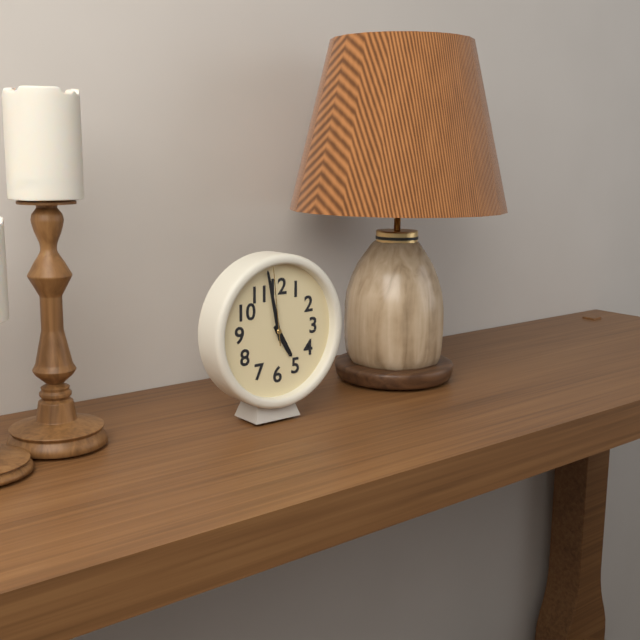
4:58:59
